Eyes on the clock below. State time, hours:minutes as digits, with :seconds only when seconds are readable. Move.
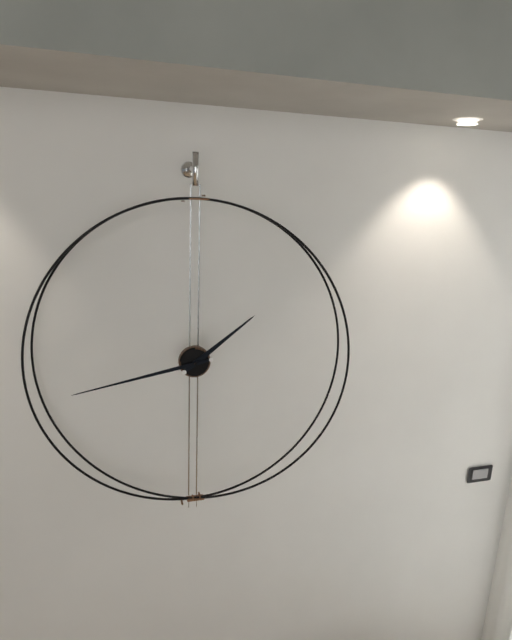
1:43
